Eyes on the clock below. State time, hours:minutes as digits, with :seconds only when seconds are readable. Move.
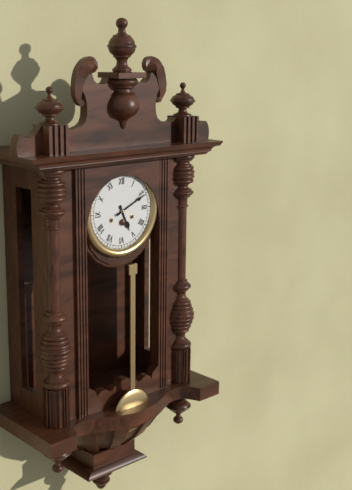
5:11
